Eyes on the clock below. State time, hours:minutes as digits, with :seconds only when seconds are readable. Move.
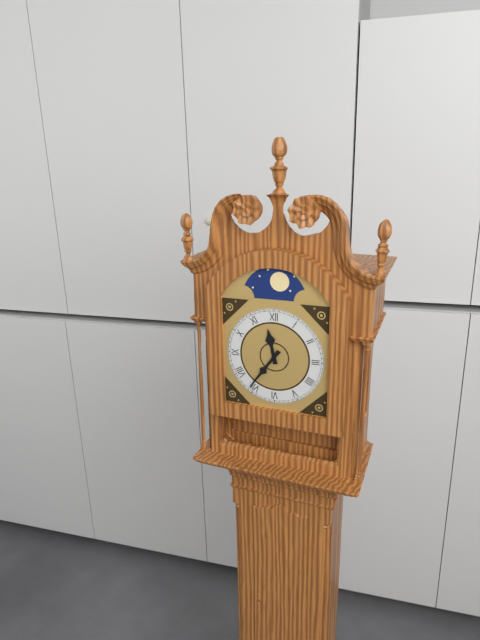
11:36
